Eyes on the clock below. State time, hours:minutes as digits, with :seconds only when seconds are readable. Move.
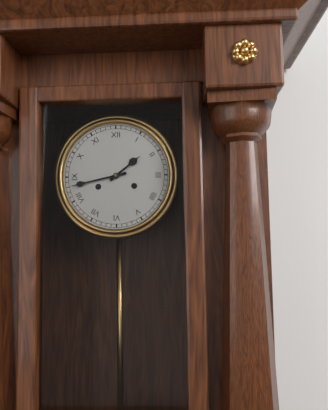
1:43
